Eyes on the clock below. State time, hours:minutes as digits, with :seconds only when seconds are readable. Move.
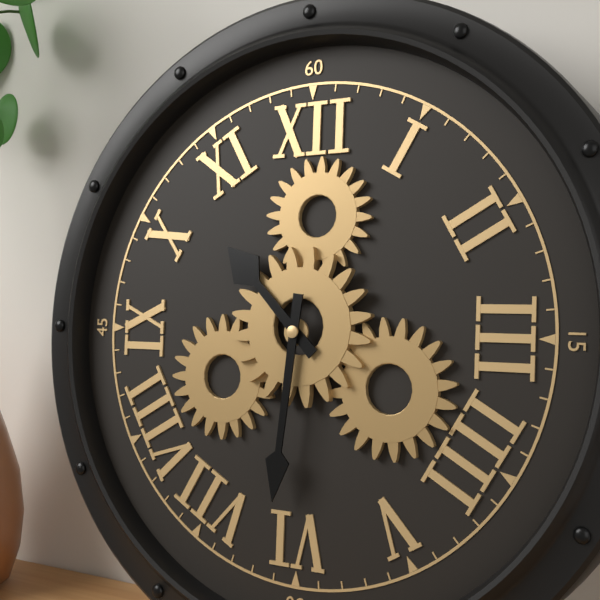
10:31
